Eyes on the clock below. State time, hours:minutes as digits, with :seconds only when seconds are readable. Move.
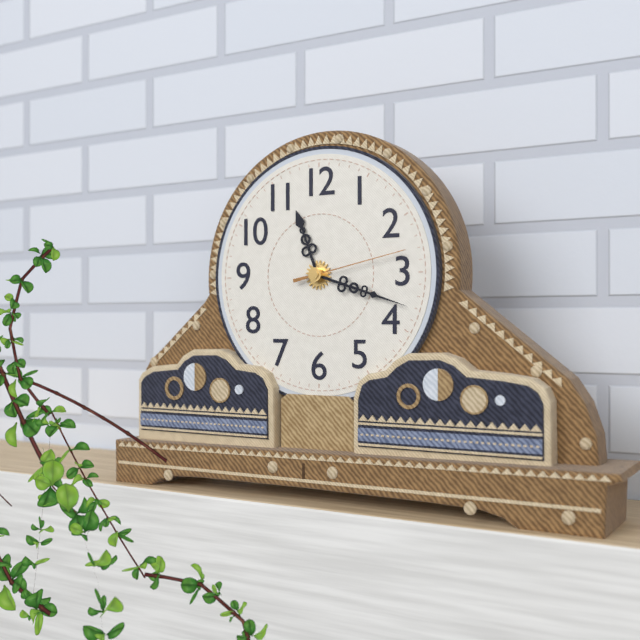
11:18:13
